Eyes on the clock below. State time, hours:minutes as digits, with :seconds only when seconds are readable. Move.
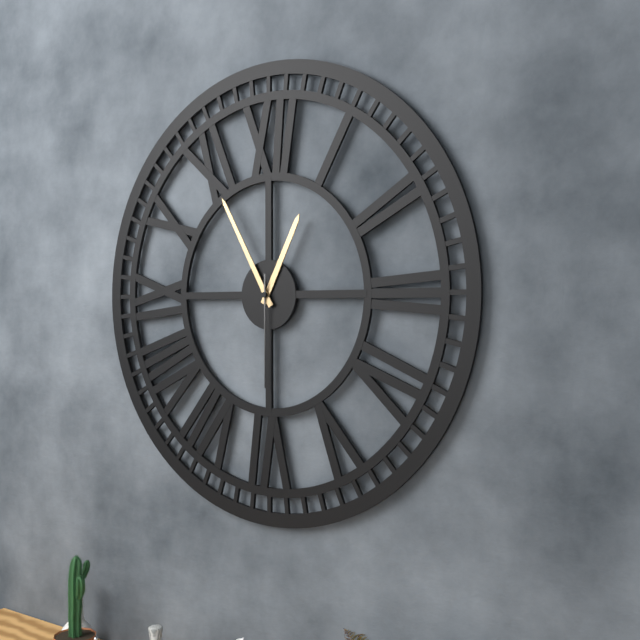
12:55:30
